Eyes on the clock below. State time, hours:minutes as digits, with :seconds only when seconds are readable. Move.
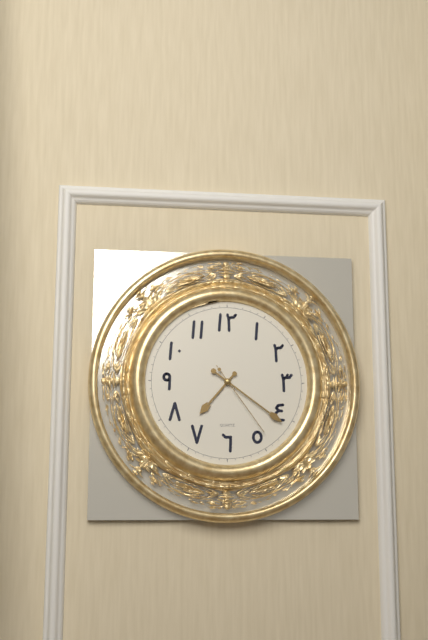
7:21:24
